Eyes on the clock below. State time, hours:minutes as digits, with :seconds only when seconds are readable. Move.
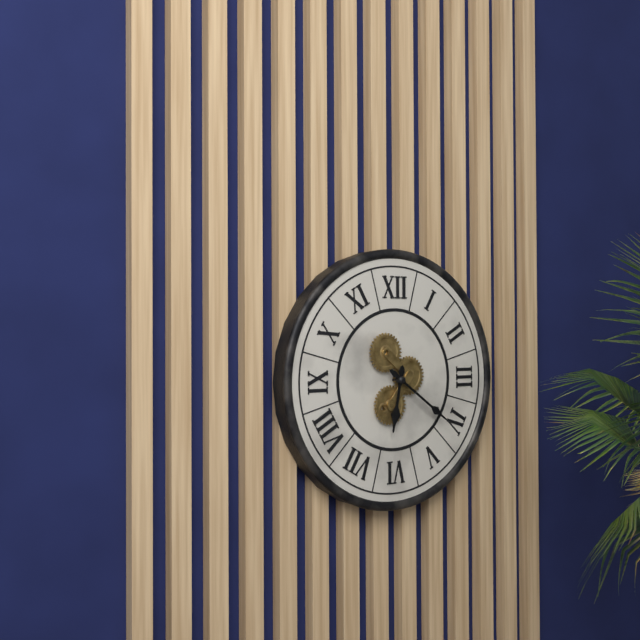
6:21
